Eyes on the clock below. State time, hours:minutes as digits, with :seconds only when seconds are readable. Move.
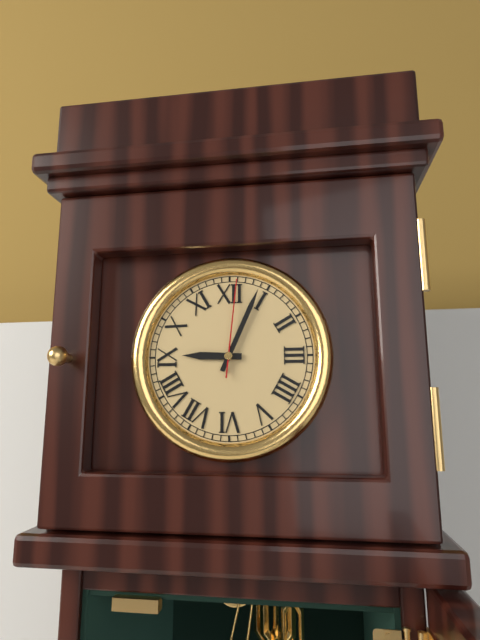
9:04:01
